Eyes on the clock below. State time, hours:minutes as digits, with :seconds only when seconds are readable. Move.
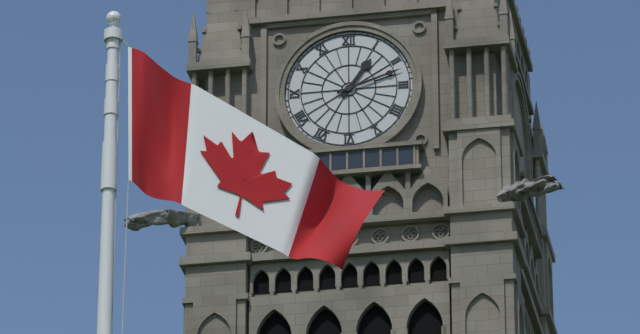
1:12
